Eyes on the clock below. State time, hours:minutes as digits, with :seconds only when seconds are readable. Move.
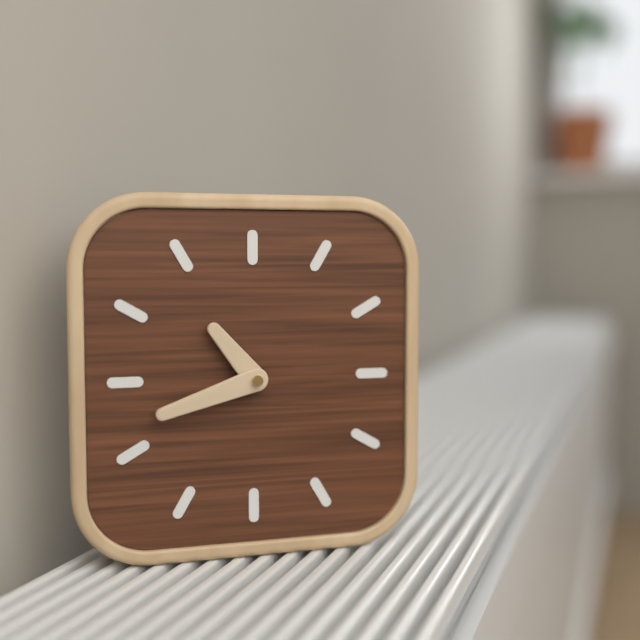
10:42
